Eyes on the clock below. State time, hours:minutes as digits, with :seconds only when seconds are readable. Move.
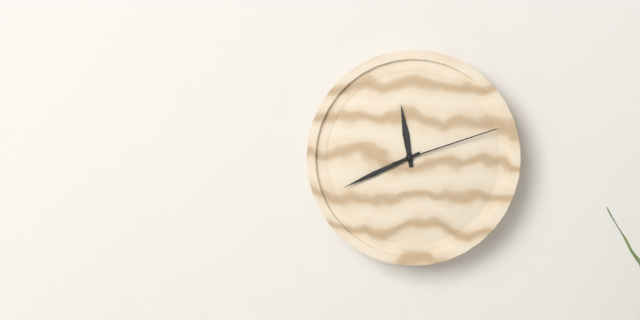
11:41:12
